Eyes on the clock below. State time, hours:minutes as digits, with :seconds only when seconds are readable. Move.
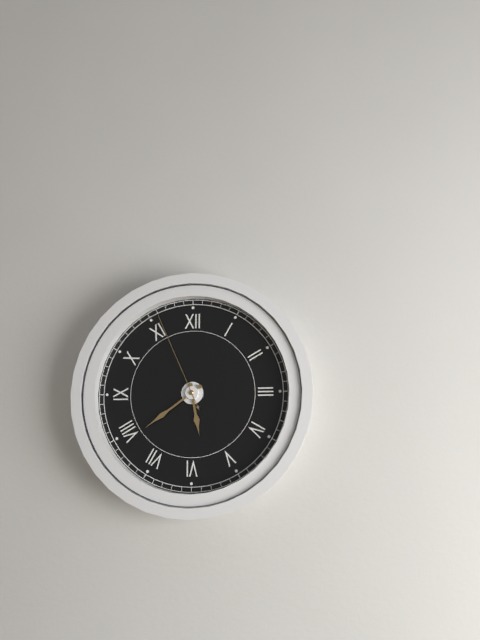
5:39:56
